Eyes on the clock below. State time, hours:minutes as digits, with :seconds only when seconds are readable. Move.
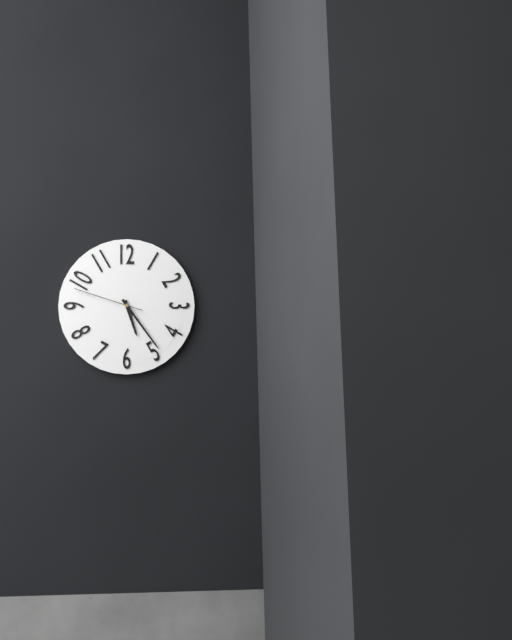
5:24:48
